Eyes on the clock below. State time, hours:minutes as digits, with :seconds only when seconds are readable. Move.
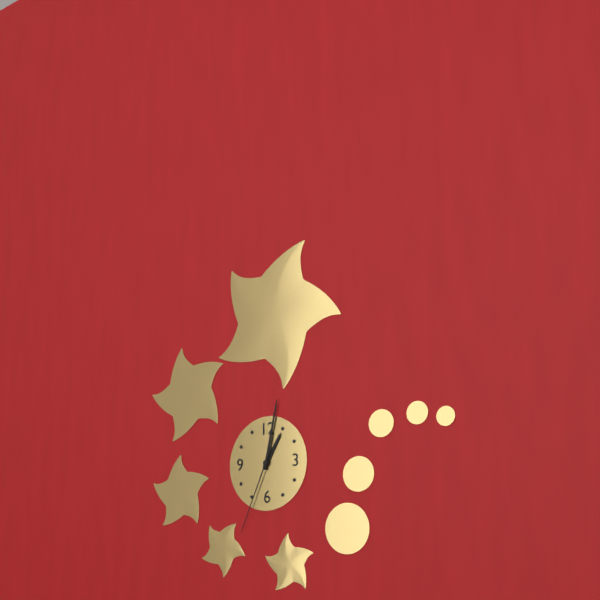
1:02:34
